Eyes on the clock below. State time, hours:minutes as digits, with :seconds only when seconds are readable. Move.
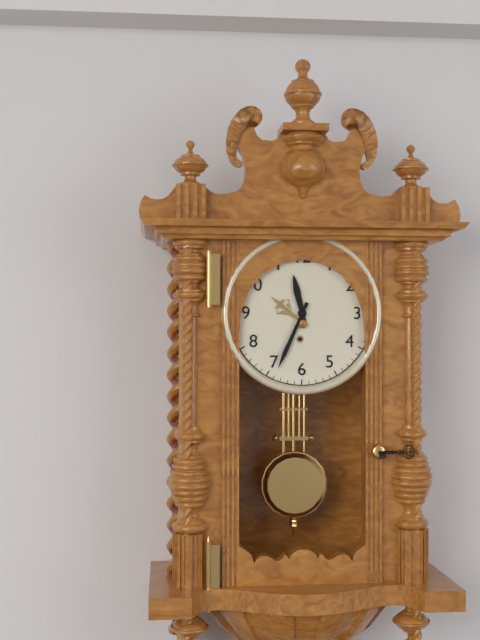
11:34
